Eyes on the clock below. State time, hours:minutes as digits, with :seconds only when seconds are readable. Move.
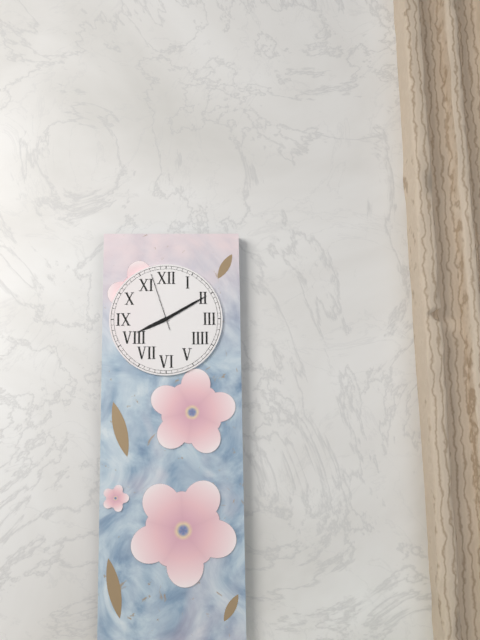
8:10:57
